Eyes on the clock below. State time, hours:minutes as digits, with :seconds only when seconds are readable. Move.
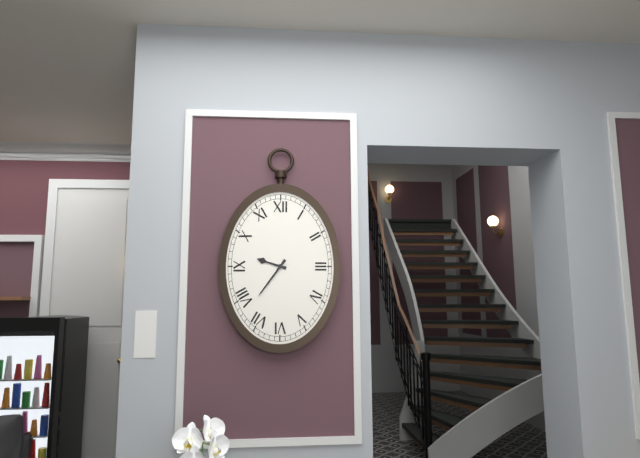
9:36
